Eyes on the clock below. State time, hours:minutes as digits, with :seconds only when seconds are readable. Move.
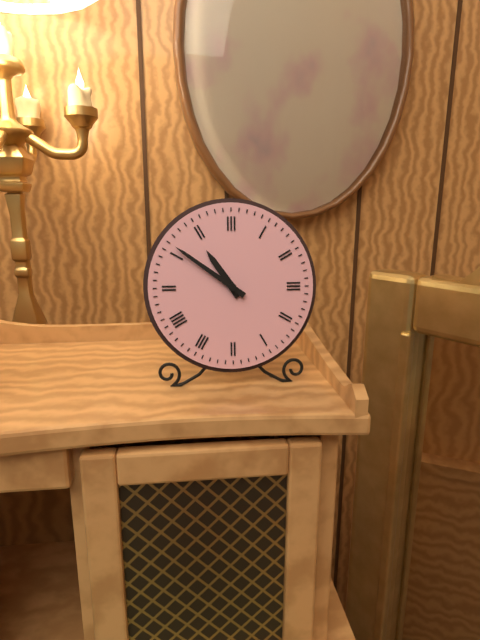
10:51
